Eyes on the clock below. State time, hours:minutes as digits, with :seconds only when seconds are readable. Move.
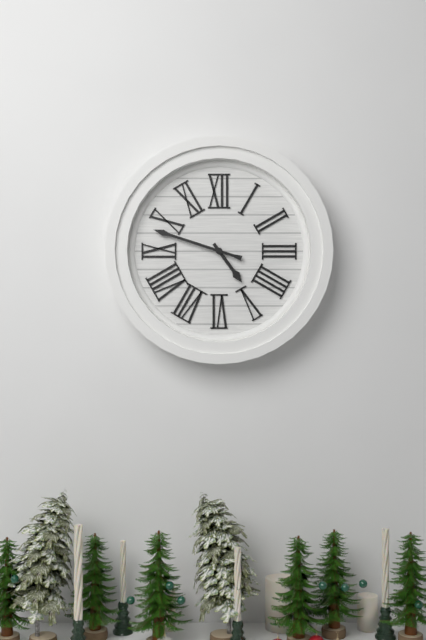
4:48
